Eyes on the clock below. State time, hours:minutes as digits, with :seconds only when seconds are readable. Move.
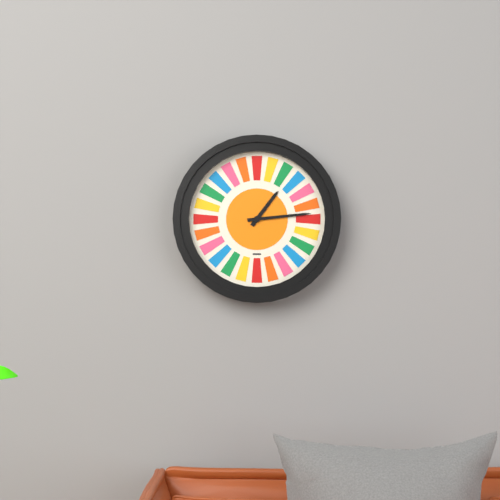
1:14
